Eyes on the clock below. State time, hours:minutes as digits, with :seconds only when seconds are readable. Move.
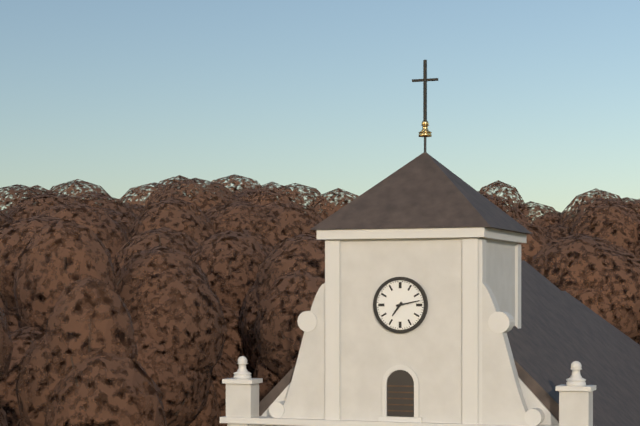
7:13
